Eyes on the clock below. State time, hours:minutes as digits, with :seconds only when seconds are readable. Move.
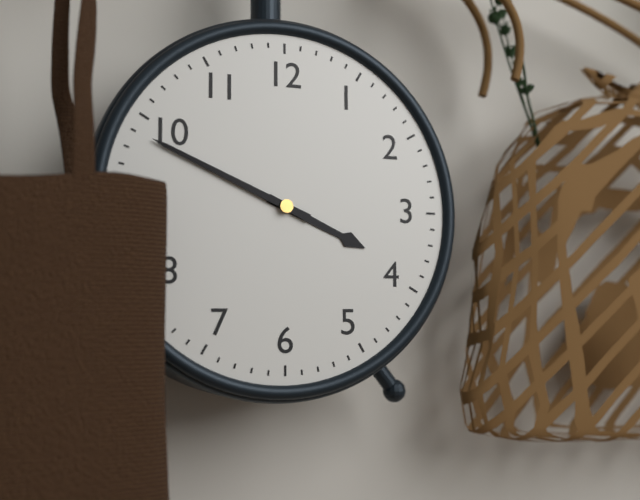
3:49
